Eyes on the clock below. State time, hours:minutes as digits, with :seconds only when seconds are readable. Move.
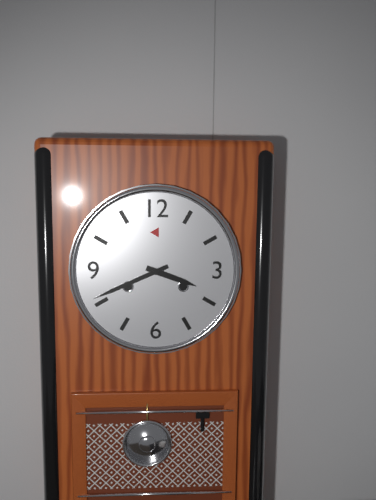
3:41
